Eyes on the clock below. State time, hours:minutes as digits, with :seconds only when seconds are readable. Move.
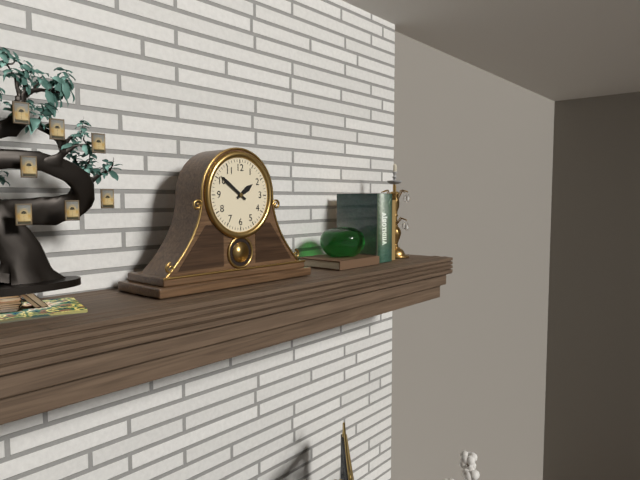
1:51
